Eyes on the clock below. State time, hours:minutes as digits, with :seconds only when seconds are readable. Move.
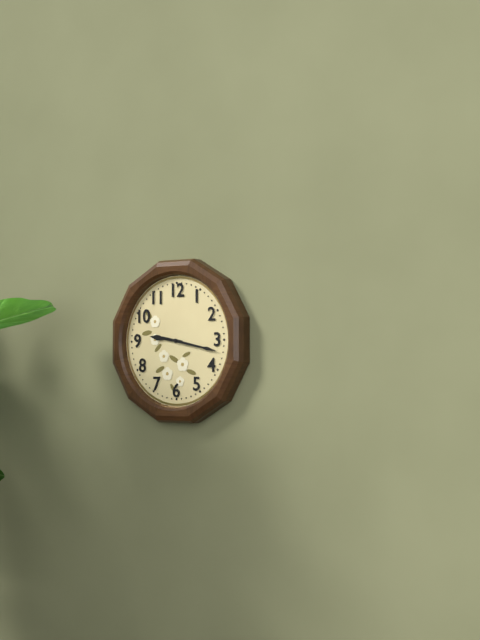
9:17
